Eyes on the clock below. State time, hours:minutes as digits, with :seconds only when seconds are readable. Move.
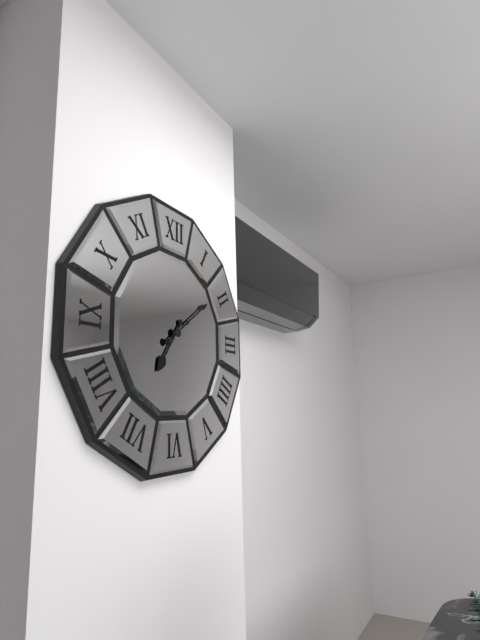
7:09
